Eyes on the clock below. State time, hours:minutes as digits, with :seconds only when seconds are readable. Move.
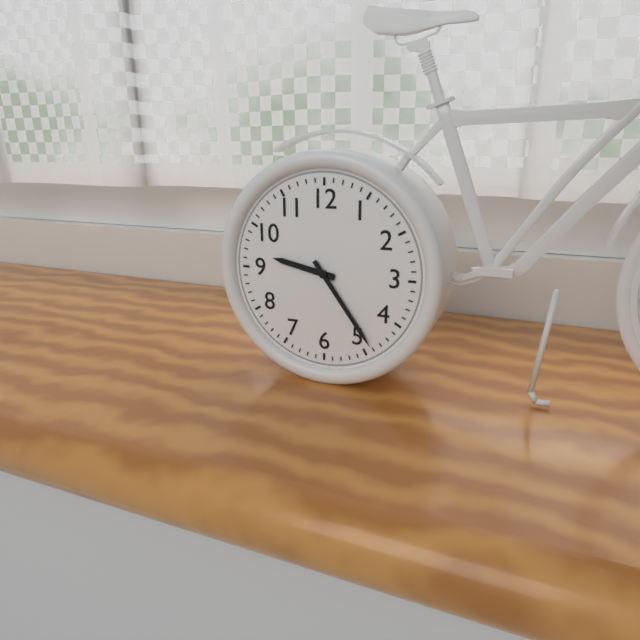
9:24
